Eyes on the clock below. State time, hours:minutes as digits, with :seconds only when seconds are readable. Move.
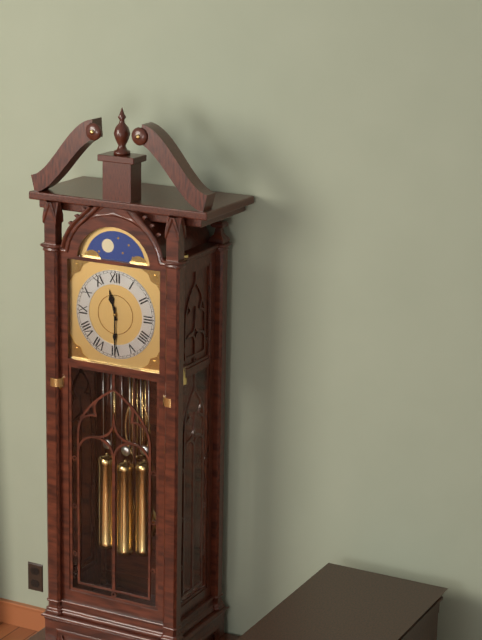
11:30
